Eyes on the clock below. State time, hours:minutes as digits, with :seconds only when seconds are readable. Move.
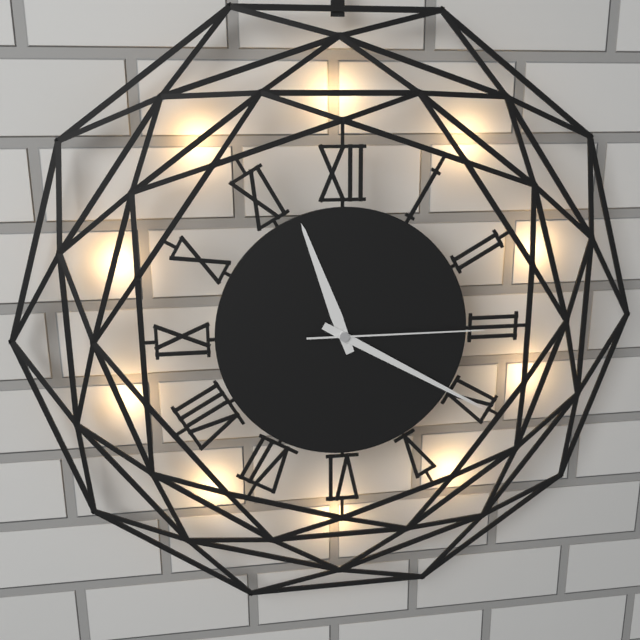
11:20:15
